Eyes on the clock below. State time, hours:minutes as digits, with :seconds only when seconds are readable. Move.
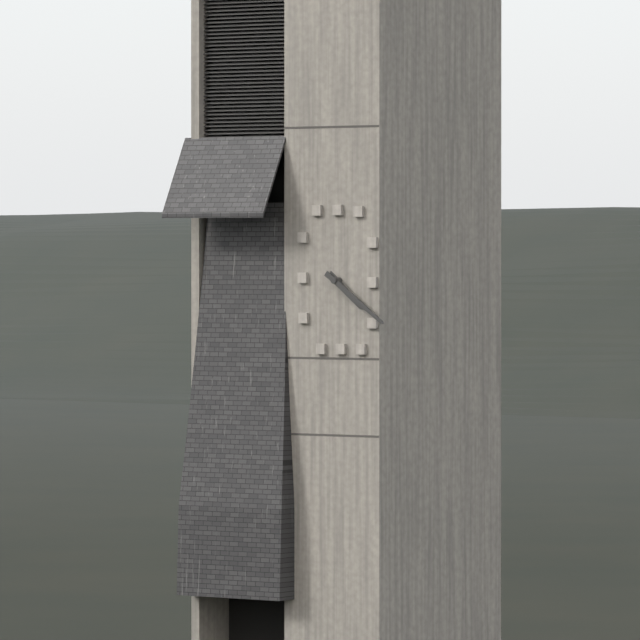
4:21
